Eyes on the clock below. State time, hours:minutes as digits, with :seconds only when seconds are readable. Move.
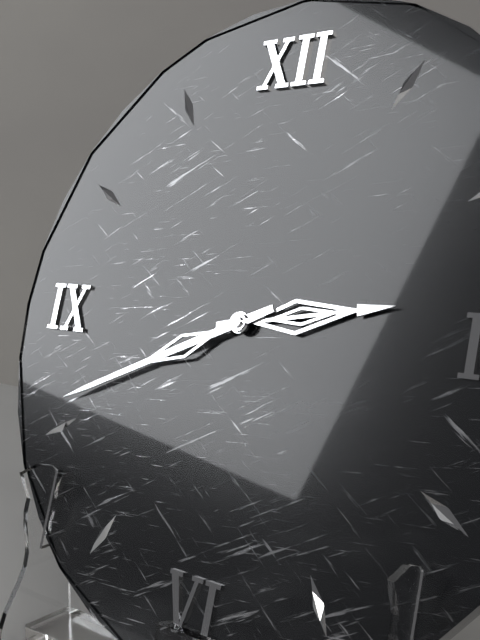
2:41
